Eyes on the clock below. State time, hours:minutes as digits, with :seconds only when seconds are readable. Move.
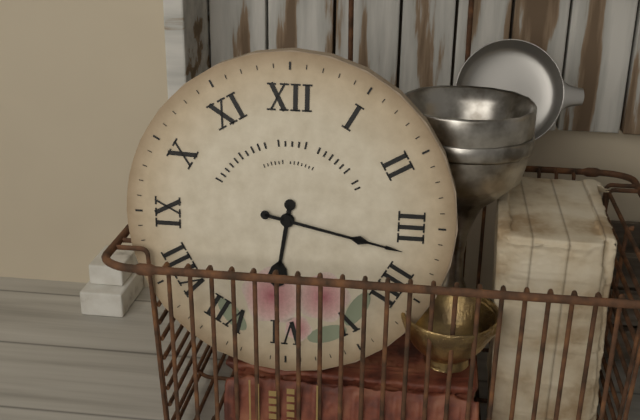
6:17
